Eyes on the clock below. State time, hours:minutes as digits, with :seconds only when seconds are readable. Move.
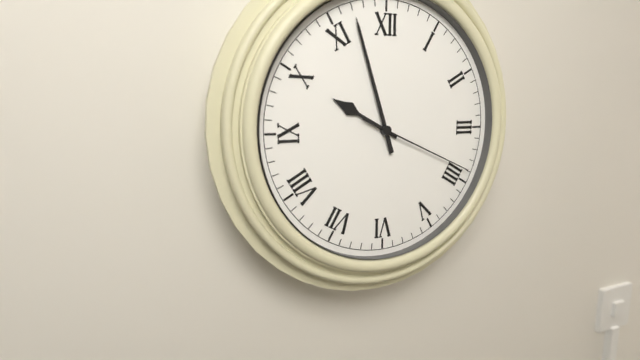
9:57:19
